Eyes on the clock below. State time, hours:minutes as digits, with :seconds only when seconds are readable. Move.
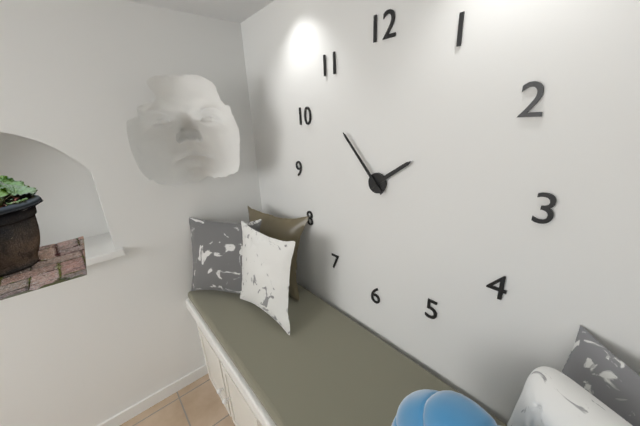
1:53
